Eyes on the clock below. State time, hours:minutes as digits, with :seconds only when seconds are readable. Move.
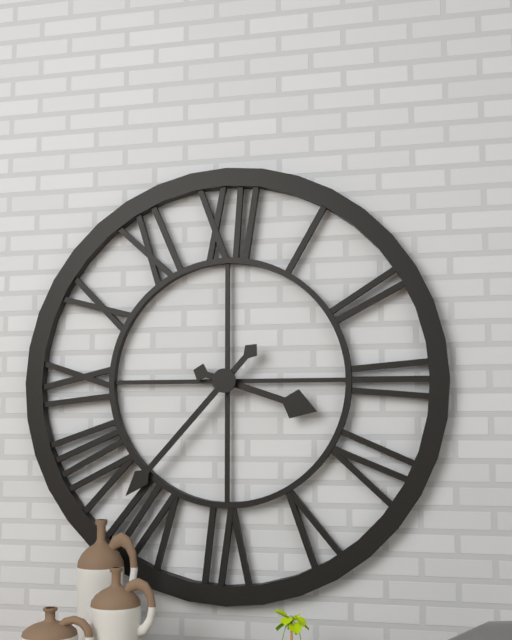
3:37
